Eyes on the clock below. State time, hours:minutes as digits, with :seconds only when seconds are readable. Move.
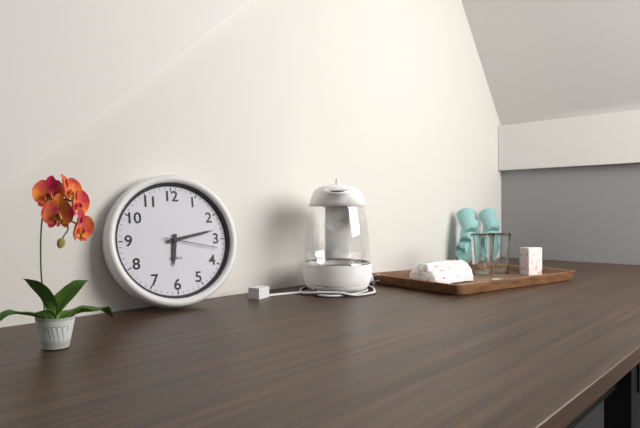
6:13:17
